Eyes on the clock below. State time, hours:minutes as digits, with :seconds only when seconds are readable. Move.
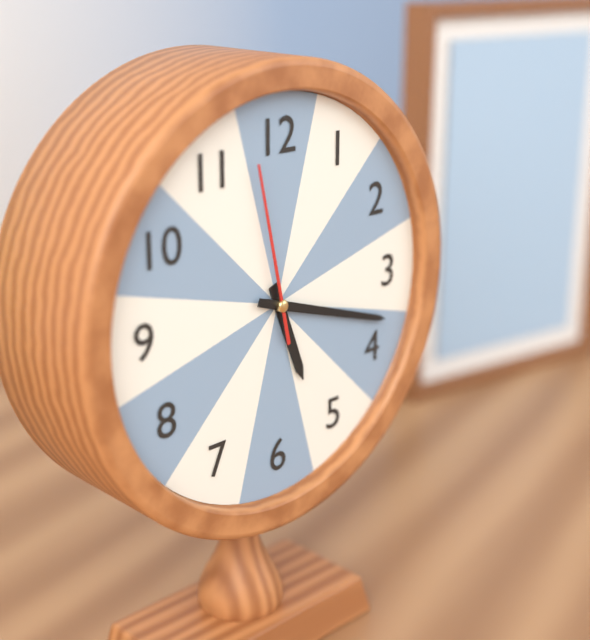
5:18:58
